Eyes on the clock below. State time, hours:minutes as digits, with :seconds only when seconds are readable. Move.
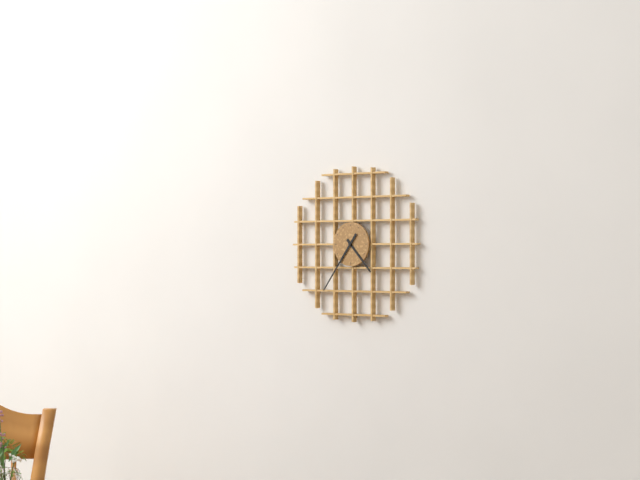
4:36
